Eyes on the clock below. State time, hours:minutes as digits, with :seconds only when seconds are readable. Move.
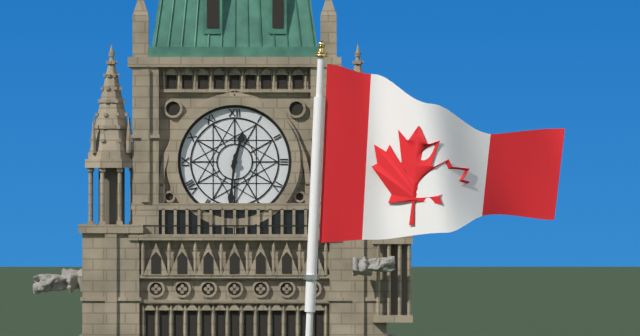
12:31
